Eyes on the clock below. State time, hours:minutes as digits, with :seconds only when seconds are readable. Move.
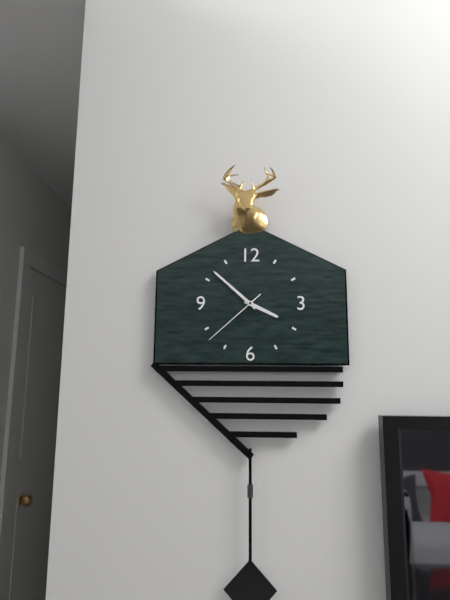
3:52:38
